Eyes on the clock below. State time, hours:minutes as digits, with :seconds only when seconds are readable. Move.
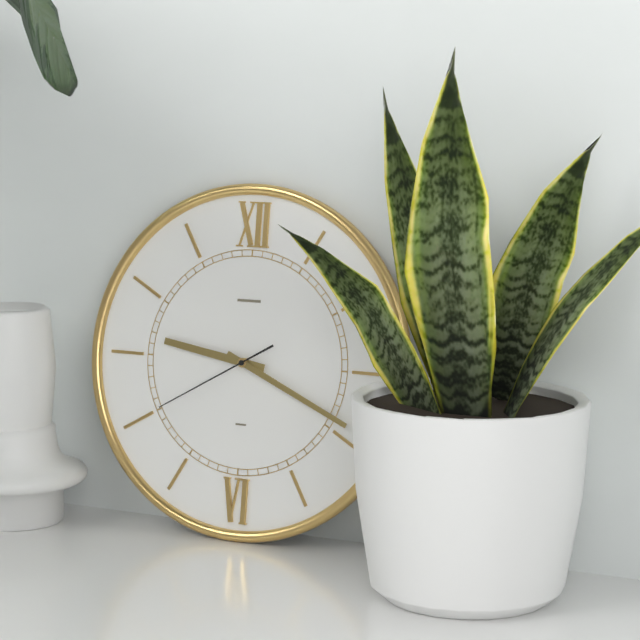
9:19:40
